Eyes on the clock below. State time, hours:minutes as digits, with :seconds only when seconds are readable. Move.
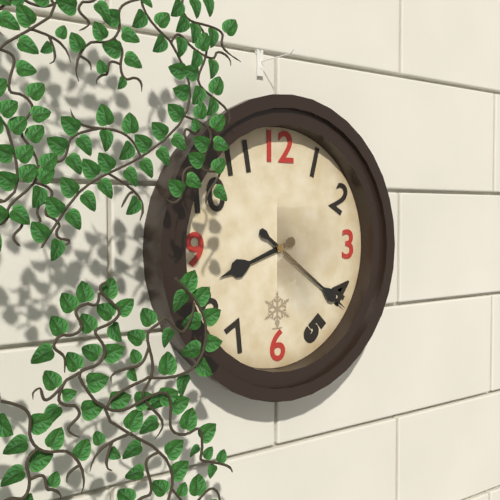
8:21
